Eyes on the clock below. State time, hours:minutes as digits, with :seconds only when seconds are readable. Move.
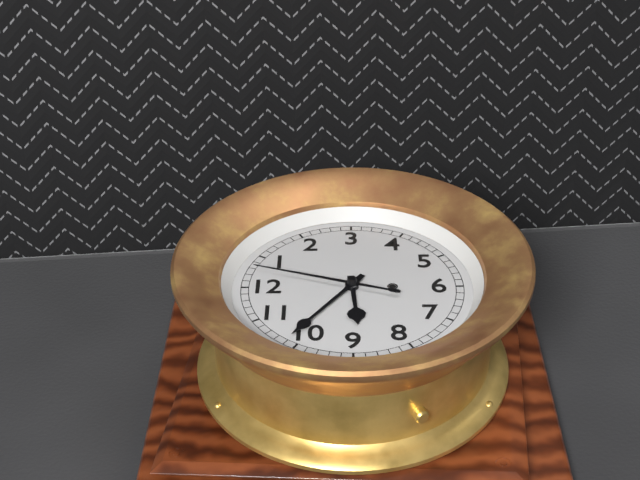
8:51:03
